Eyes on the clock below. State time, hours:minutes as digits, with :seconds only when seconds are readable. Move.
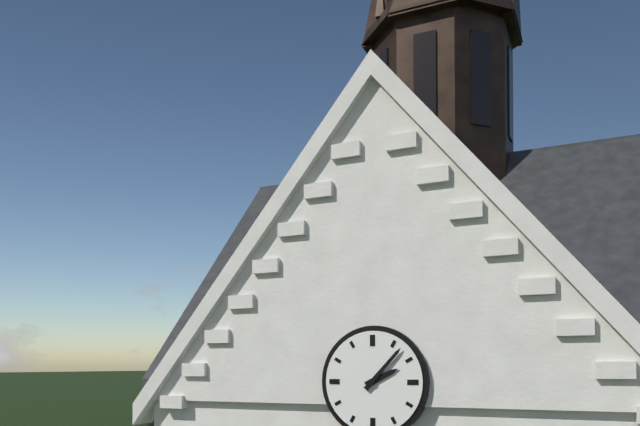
2:07
